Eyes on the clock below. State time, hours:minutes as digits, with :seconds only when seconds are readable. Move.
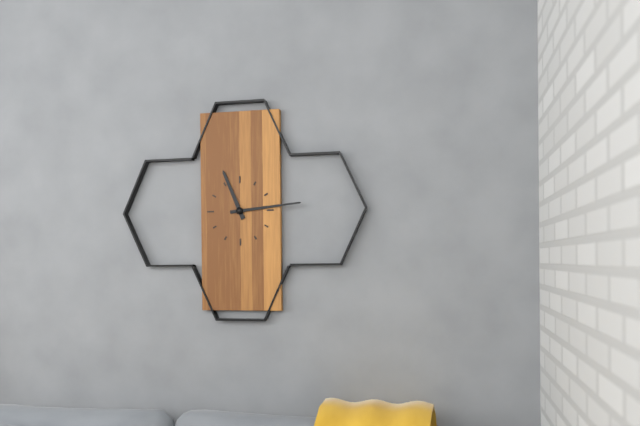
11:14
